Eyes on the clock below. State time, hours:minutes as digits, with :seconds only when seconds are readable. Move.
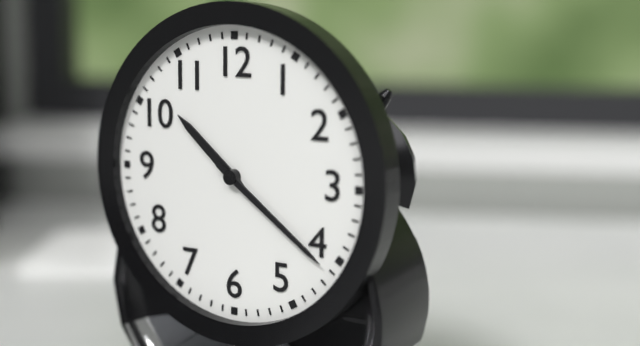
10:21
